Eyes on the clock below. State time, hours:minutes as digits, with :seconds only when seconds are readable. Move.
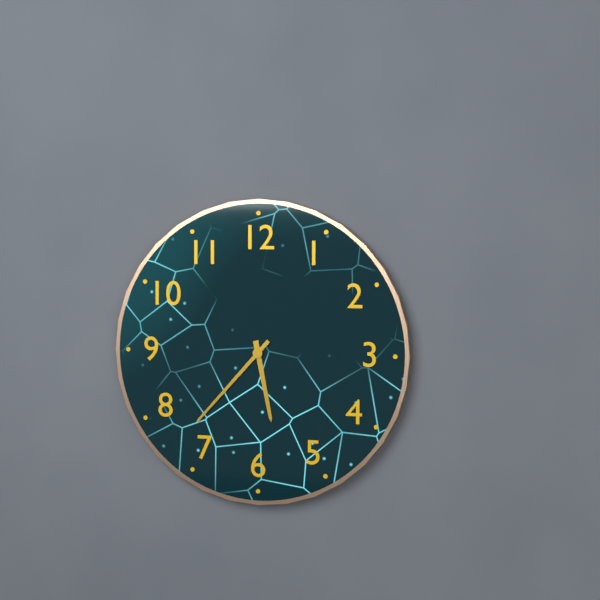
5:37
